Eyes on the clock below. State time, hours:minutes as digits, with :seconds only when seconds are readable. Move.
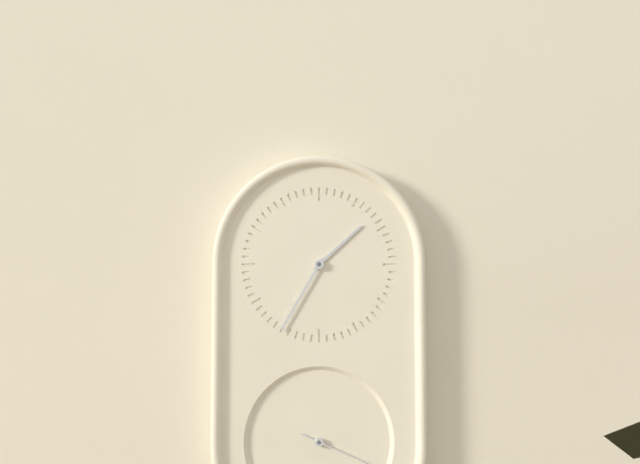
1:35
